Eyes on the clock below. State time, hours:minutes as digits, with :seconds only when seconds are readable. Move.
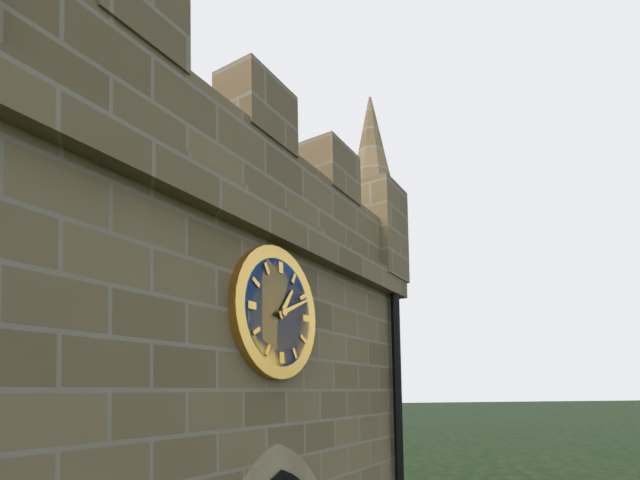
1:11
